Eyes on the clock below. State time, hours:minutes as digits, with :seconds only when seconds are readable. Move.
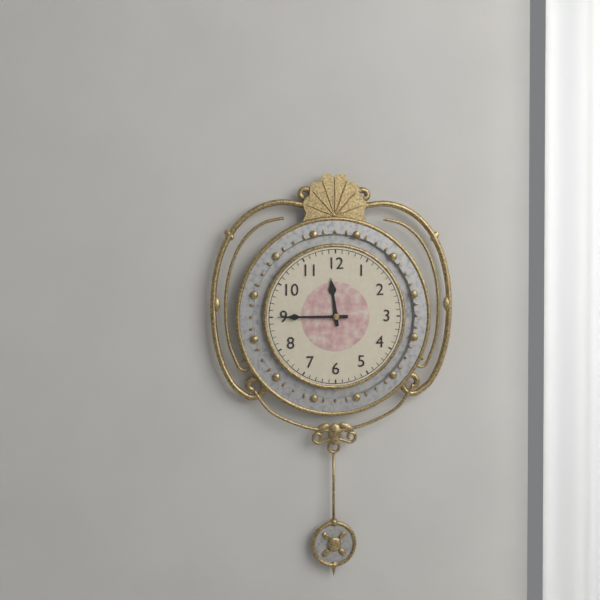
11:45
